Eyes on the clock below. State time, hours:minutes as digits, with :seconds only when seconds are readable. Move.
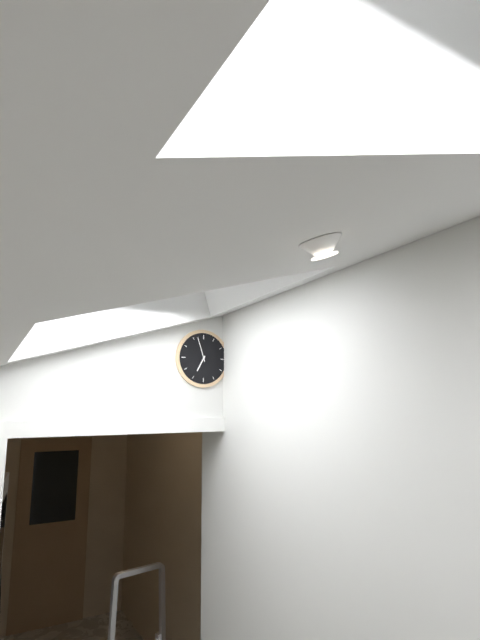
6:57
